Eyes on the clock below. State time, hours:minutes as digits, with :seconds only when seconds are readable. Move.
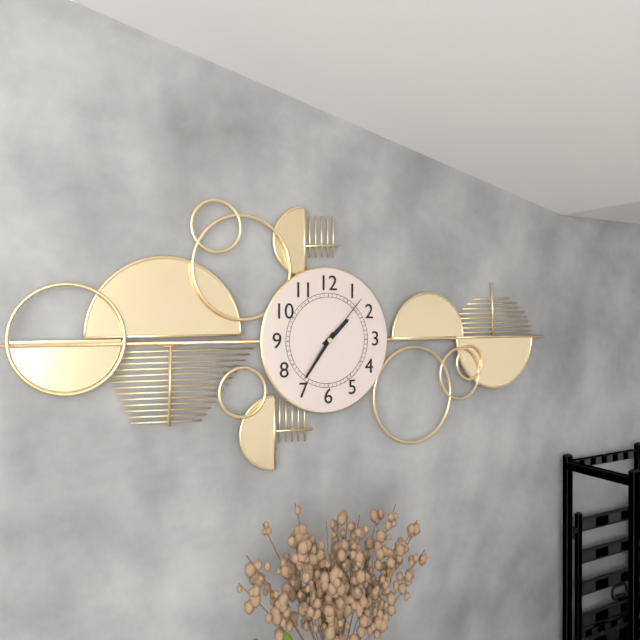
1:36:07
